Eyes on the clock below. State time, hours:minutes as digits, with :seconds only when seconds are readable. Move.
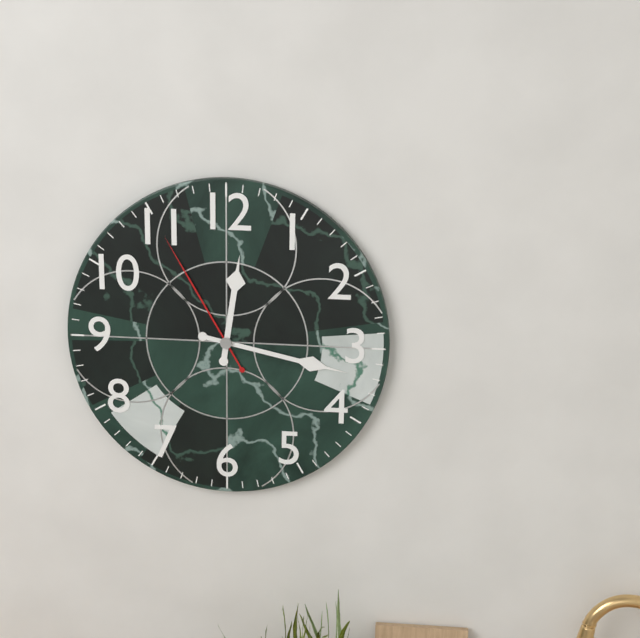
12:17:55
